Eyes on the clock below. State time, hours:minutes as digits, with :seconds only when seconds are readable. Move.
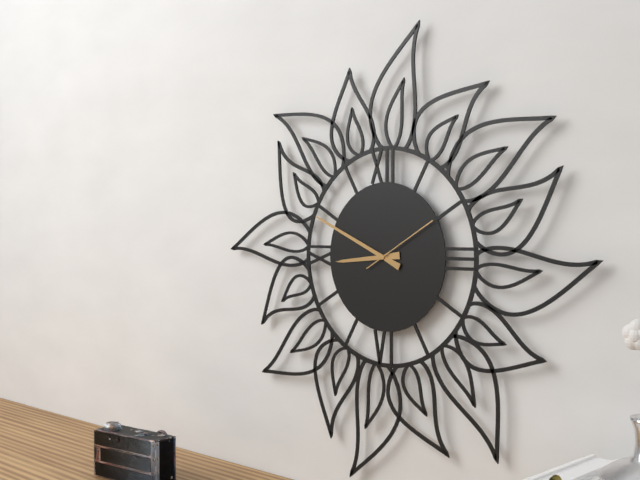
8:49:10
